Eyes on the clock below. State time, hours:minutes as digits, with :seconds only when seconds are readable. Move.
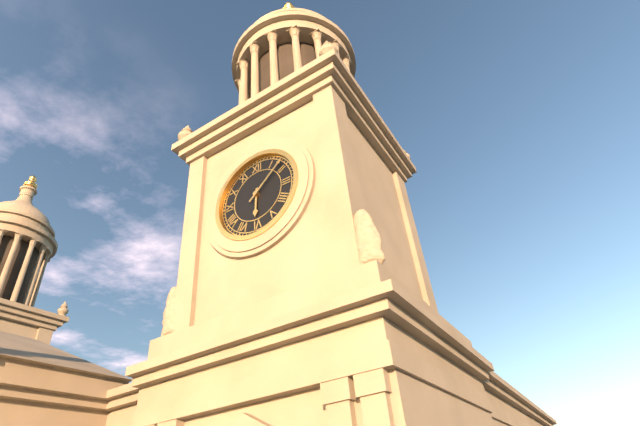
6:08
